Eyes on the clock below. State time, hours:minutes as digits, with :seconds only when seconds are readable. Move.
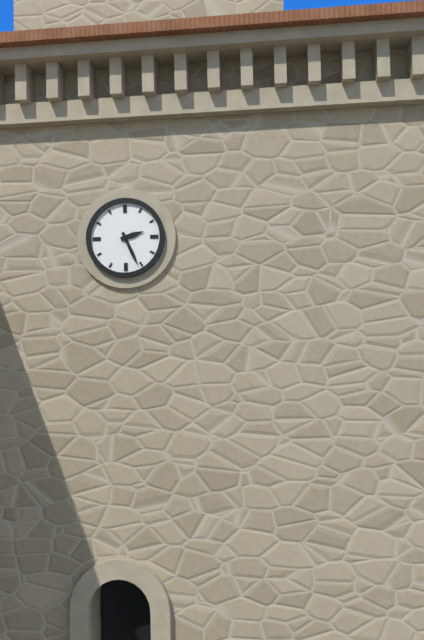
2:26
